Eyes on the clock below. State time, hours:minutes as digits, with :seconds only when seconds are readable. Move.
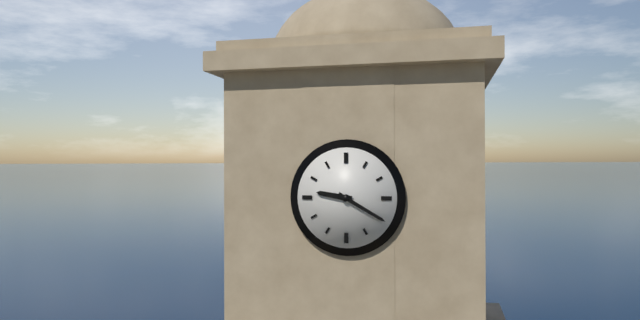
9:20
